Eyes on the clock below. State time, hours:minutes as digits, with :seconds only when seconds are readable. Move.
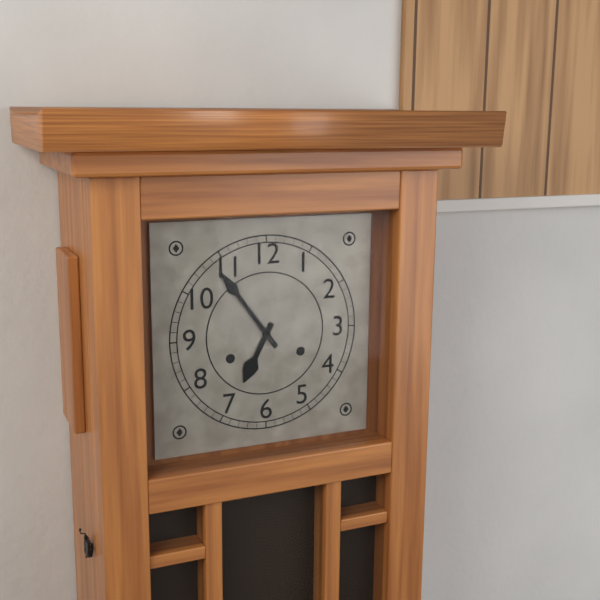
6:54
